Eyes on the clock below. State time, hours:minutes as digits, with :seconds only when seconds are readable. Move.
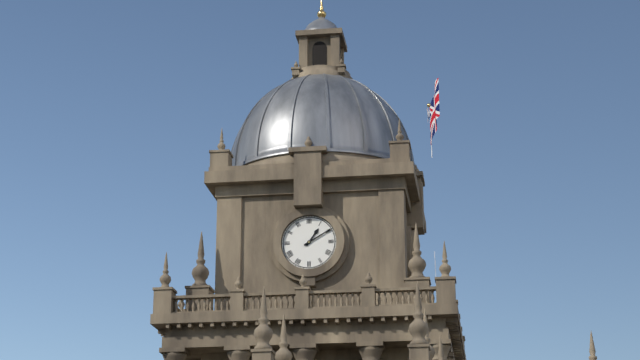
1:10
